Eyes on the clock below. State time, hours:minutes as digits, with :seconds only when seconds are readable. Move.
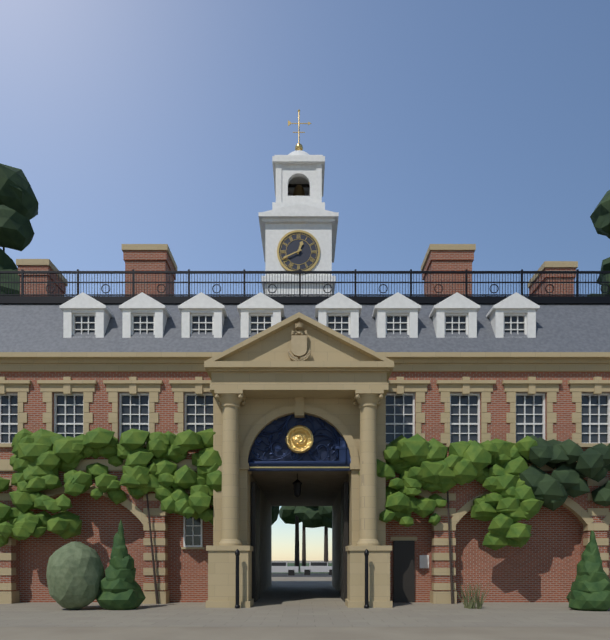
12:41
